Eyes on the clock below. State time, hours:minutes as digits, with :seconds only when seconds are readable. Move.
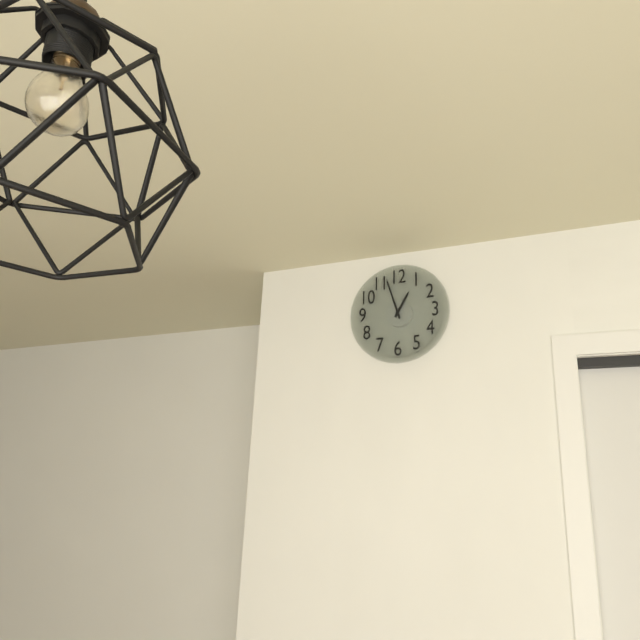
12:57
